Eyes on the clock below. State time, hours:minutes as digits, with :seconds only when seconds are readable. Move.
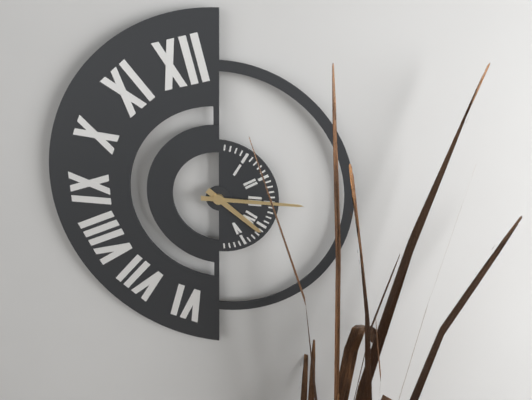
4:15
